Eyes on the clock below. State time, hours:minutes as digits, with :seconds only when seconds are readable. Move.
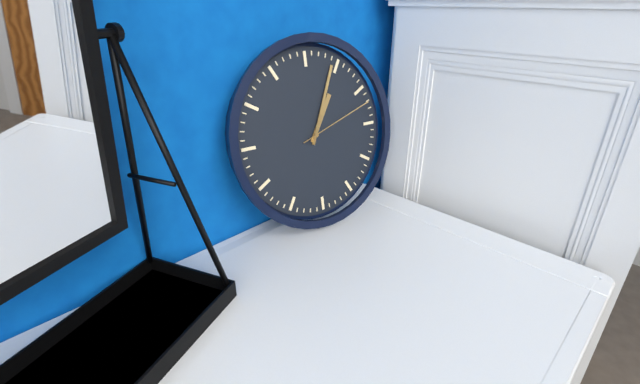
1:04:12
